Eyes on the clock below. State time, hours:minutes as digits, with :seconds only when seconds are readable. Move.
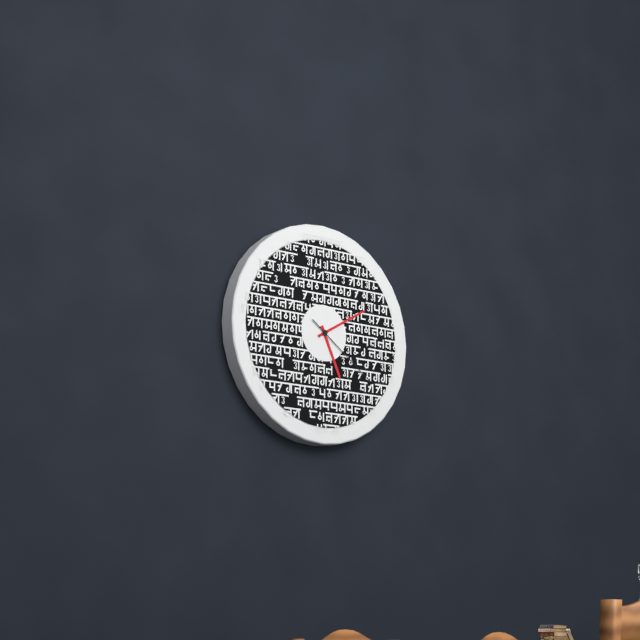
5:10:21
